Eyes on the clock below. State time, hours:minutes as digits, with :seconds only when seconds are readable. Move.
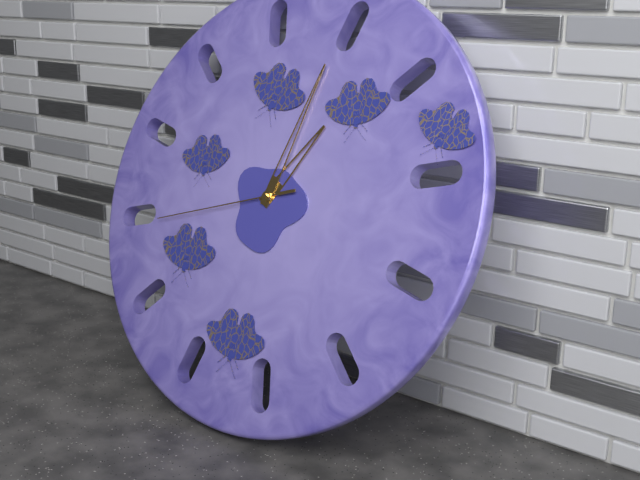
1:02:42
